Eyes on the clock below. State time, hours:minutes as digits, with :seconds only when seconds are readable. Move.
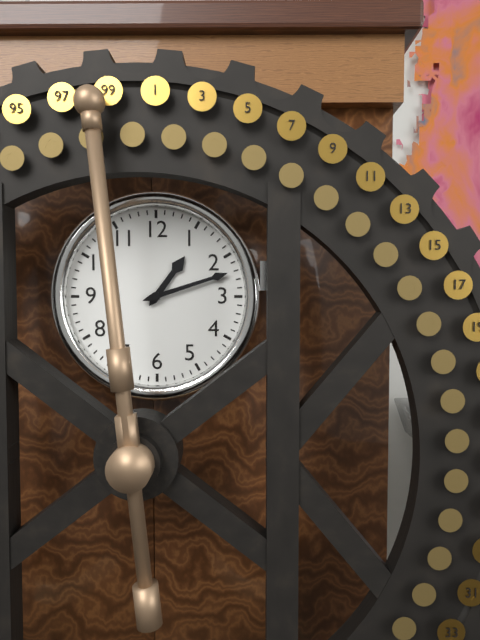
1:12
